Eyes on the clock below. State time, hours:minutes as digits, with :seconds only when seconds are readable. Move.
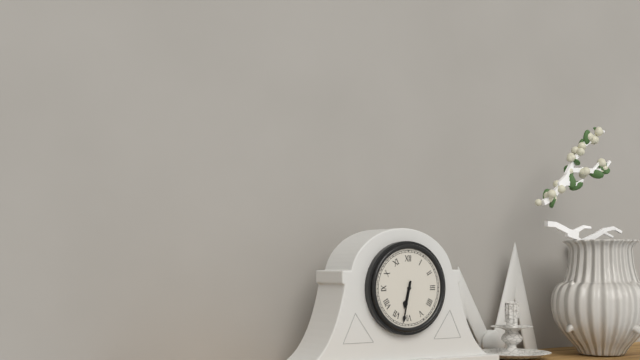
6:32
